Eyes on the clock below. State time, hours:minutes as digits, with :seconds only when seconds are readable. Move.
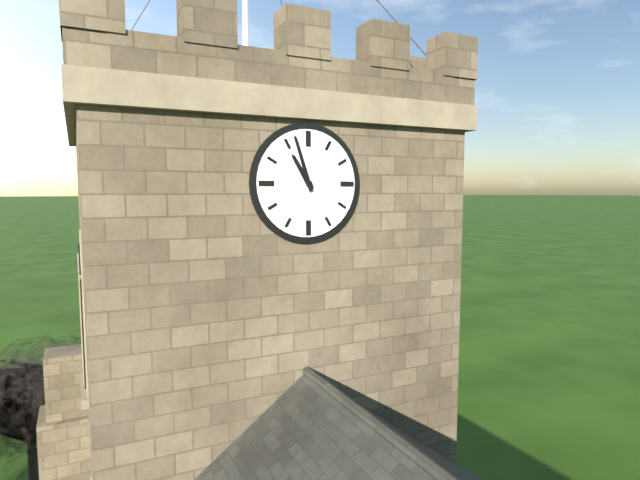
10:57
